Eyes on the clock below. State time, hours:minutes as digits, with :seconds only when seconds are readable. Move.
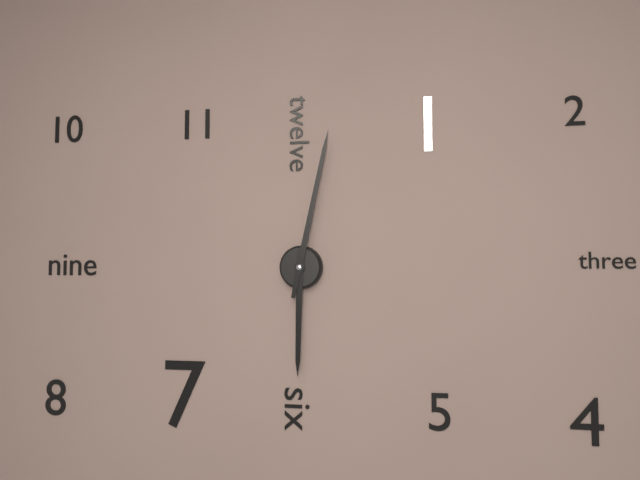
6:02
